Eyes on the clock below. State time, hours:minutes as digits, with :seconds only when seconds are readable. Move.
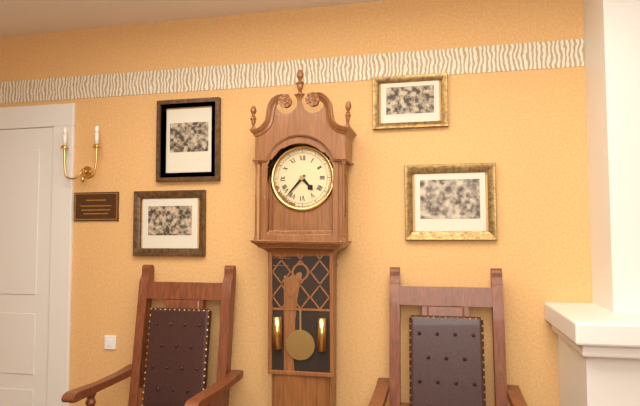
4:37
